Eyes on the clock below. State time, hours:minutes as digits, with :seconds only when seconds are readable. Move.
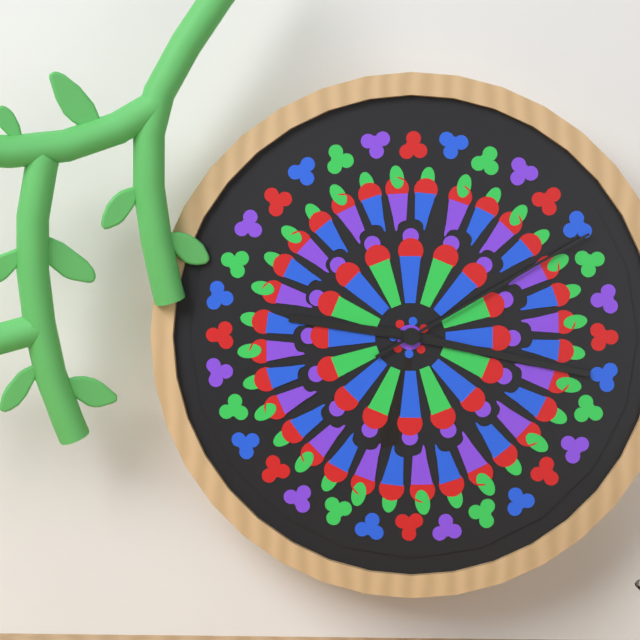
9:17:10
